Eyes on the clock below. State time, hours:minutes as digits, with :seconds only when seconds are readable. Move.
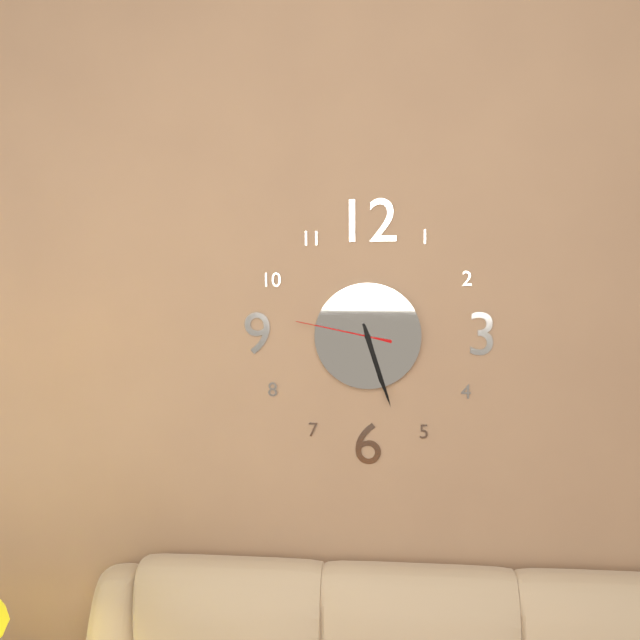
5:27:47
